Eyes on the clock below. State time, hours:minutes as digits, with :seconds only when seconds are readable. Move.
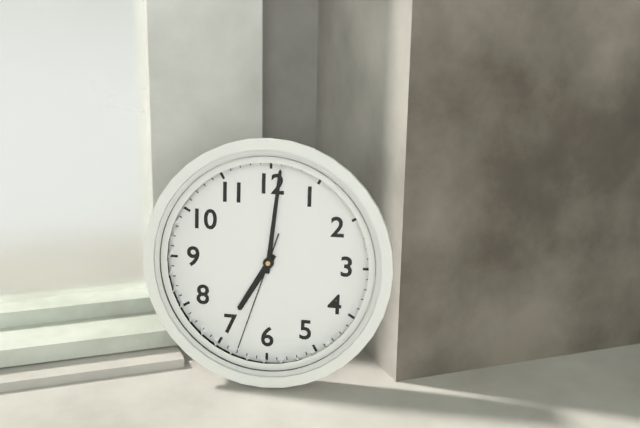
7:01:33
